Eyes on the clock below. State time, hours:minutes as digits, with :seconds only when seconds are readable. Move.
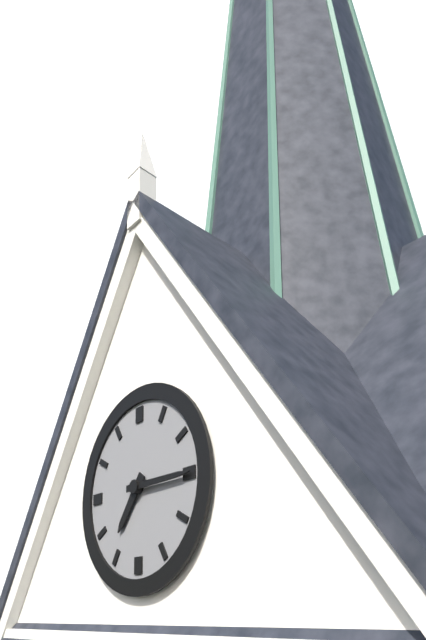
7:15
